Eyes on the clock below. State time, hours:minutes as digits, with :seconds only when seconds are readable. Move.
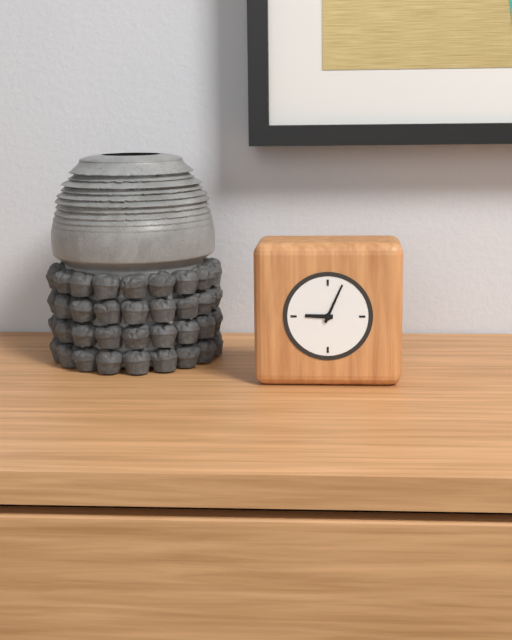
9:04
